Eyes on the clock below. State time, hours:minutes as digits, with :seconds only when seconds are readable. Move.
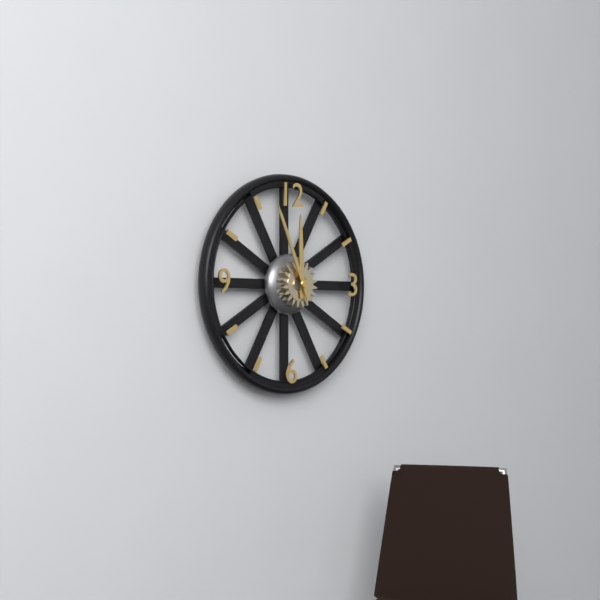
11:56
